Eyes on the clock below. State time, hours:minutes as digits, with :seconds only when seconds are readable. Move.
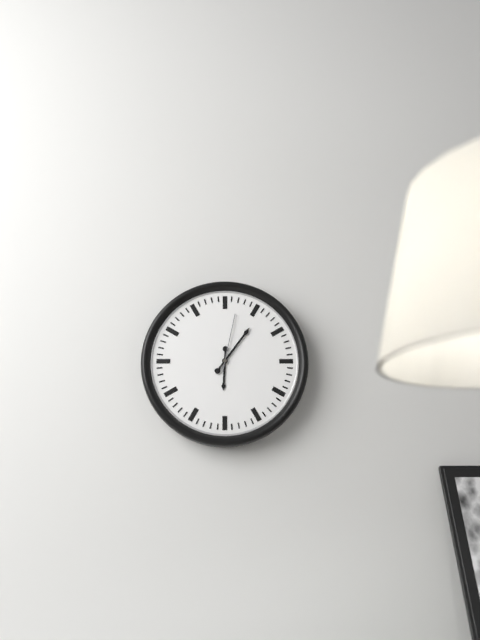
6:06:02
